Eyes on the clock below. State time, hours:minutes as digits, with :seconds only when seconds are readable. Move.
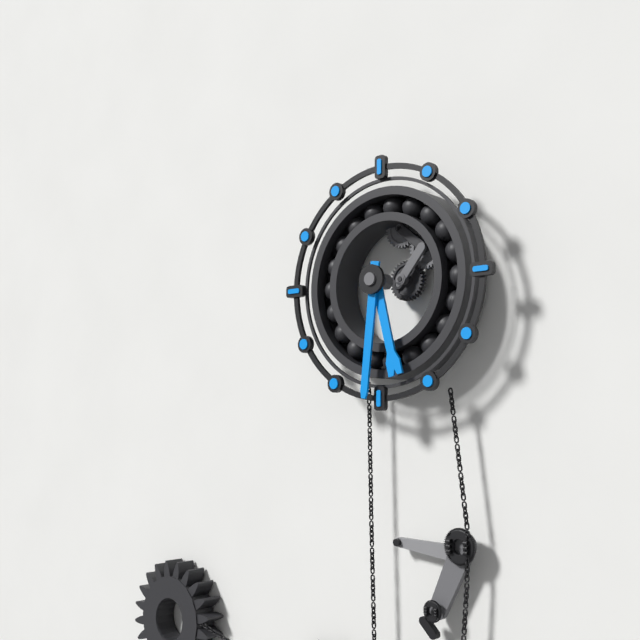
5:31
